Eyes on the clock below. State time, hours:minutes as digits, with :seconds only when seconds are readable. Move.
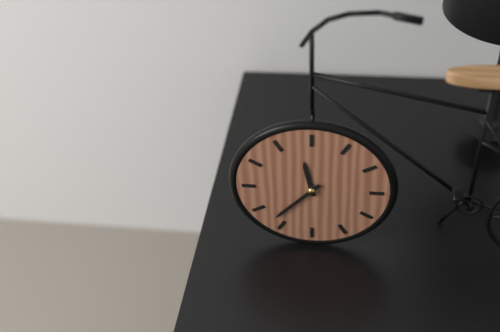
11:37
